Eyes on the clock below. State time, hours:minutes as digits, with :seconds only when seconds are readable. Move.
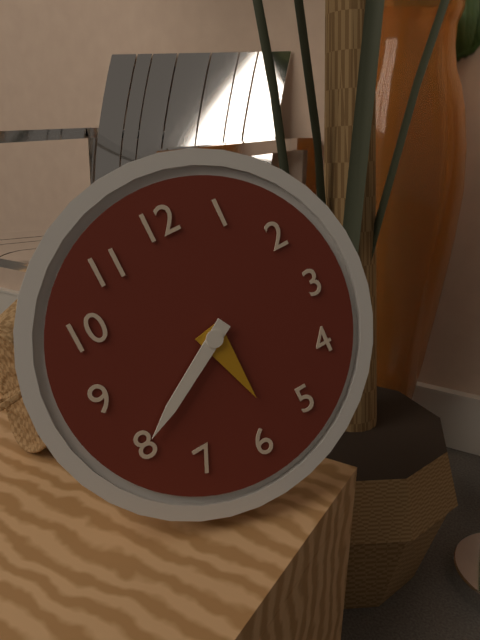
5:40
